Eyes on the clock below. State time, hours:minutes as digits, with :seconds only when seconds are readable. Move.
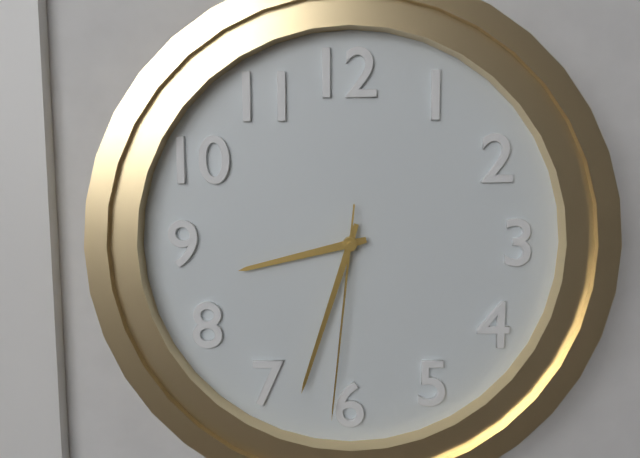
8:33:31
